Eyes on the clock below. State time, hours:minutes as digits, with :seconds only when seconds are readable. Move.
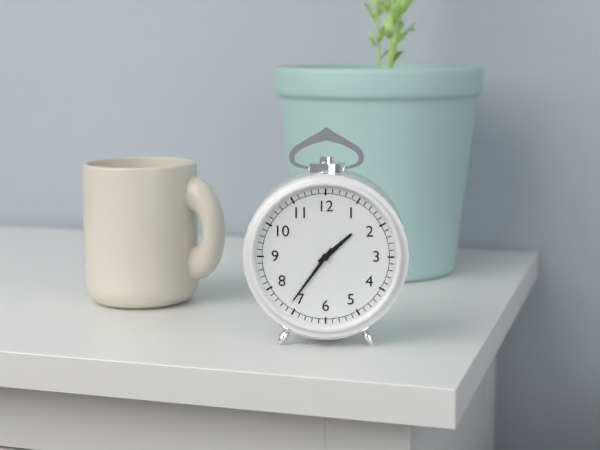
1:36
